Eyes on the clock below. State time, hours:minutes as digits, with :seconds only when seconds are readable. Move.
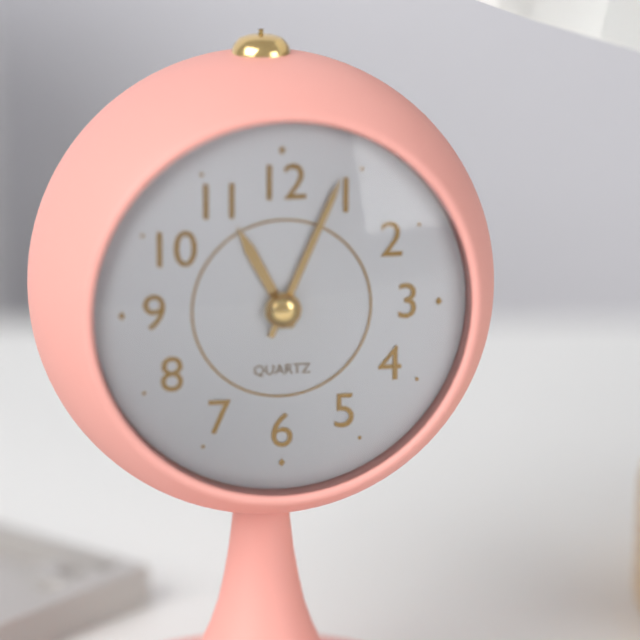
11:04
